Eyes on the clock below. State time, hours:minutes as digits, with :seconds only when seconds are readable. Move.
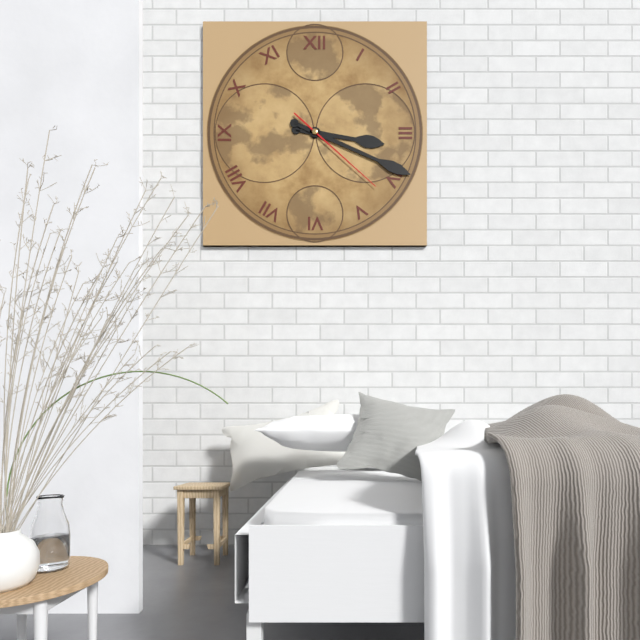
3:19:22
